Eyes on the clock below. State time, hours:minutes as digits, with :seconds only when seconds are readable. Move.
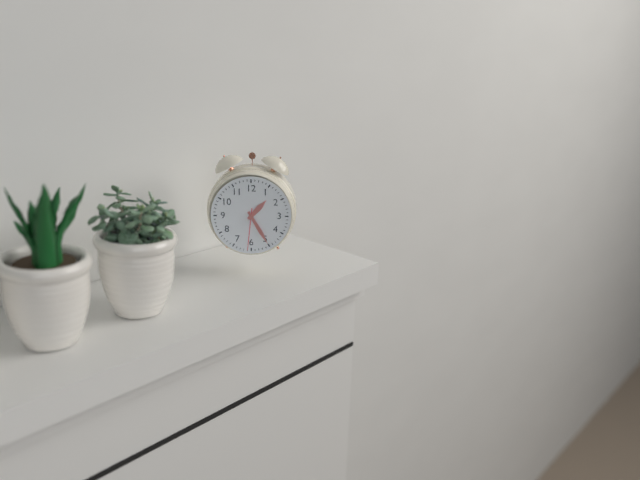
1:25
